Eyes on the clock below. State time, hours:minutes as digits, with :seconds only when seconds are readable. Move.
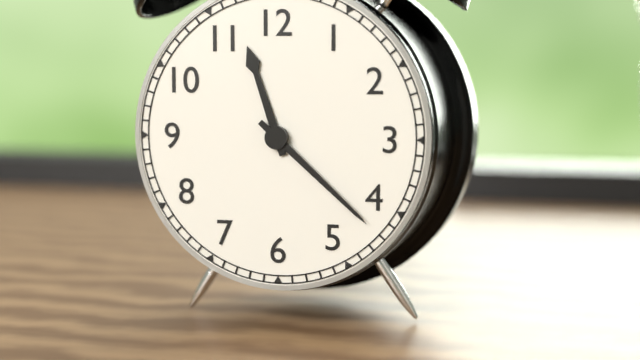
11:22
